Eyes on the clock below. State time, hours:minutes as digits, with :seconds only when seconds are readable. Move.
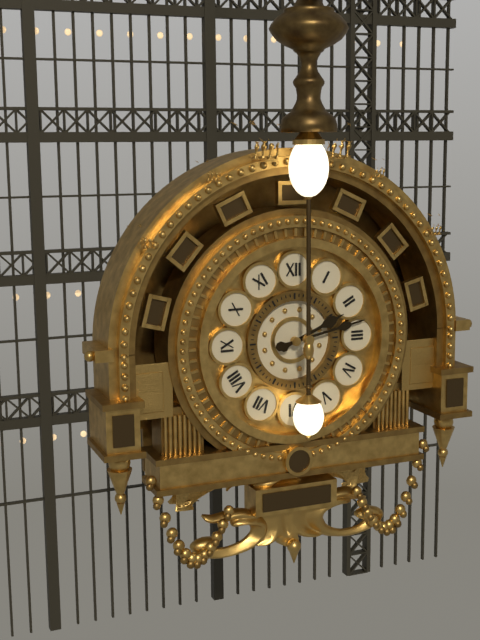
2:13
